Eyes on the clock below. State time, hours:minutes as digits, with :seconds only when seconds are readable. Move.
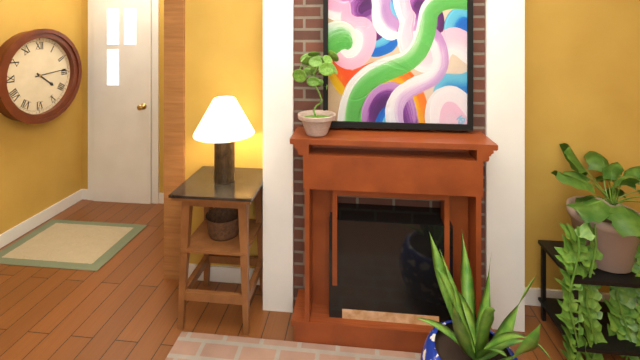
4:14
